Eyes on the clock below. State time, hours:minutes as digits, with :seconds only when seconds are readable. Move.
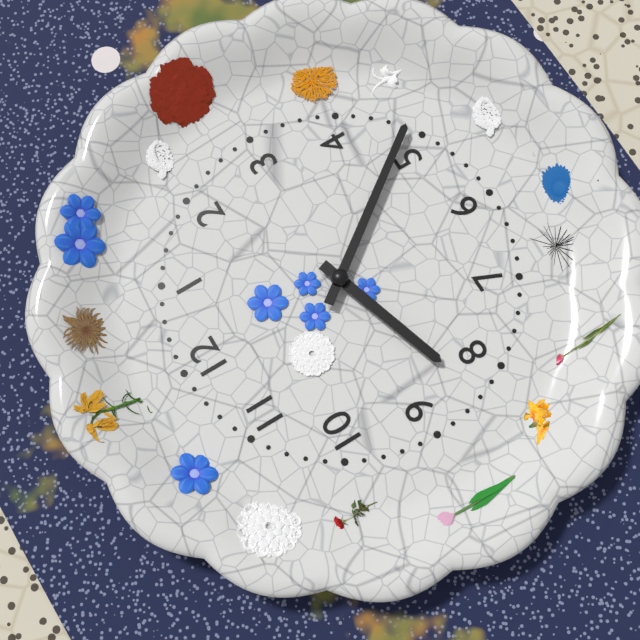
8:24
